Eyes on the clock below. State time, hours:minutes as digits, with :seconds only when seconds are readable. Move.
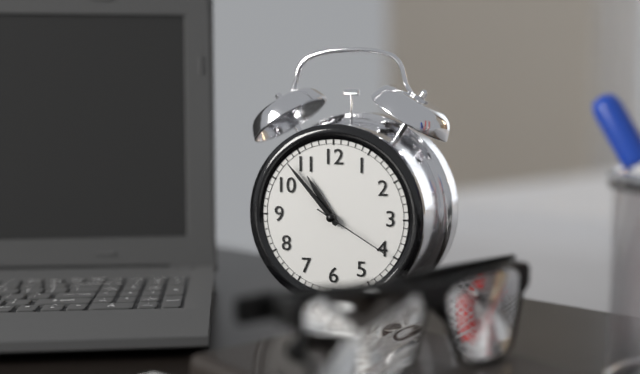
10:53:20
